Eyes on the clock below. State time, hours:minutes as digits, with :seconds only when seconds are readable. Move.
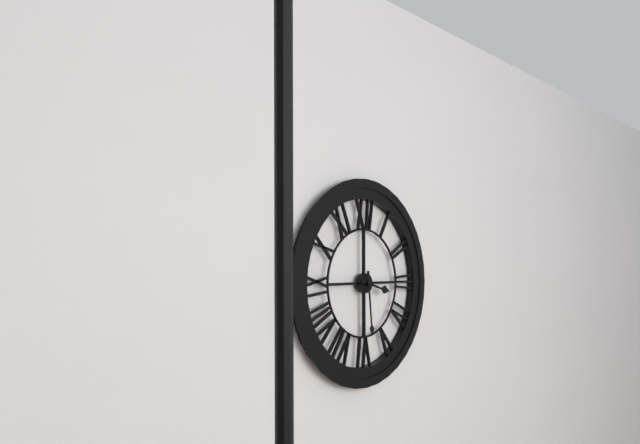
3:29
